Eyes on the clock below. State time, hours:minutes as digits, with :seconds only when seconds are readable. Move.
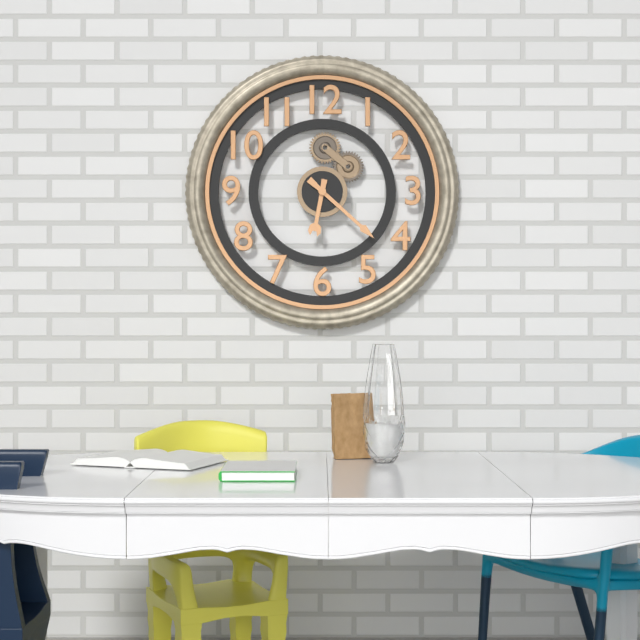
6:22
